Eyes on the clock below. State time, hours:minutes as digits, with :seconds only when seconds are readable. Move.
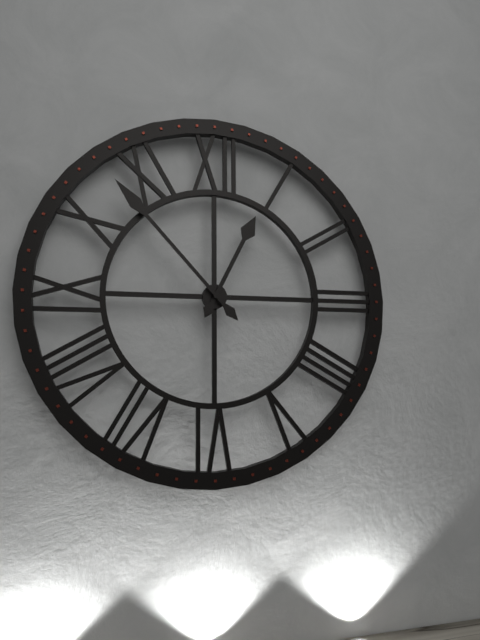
12:53
